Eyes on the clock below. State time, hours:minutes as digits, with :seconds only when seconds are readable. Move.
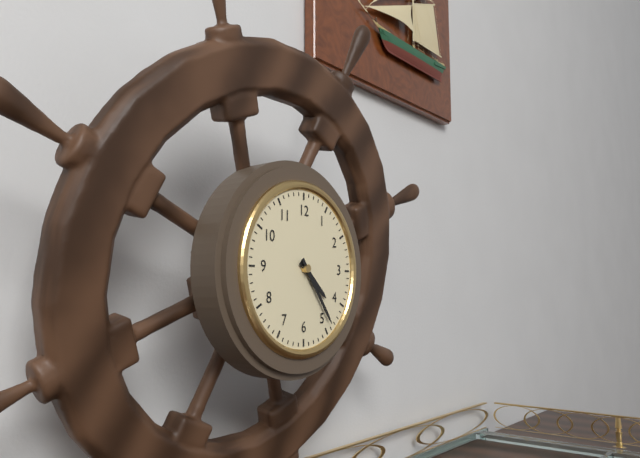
4:24
